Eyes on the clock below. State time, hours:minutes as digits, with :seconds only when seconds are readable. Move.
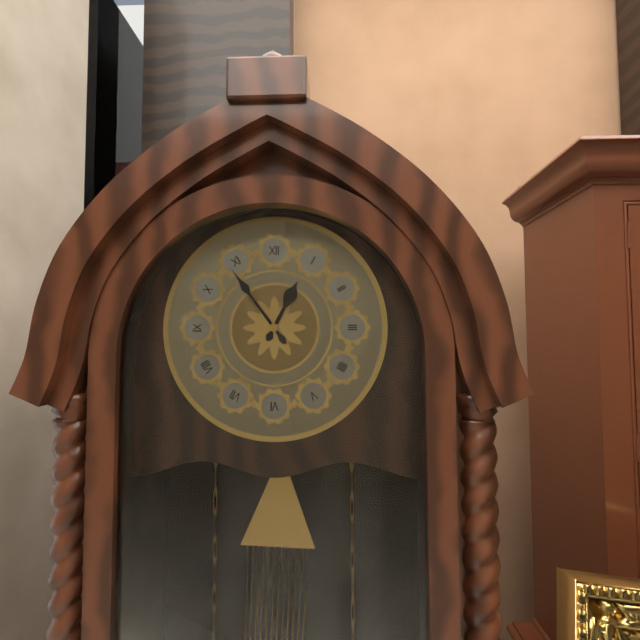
12:54
